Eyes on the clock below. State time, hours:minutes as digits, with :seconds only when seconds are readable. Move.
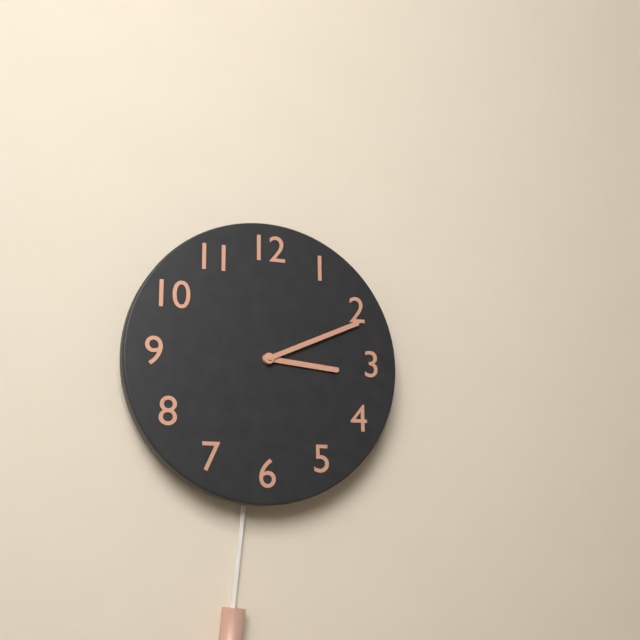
3:11
